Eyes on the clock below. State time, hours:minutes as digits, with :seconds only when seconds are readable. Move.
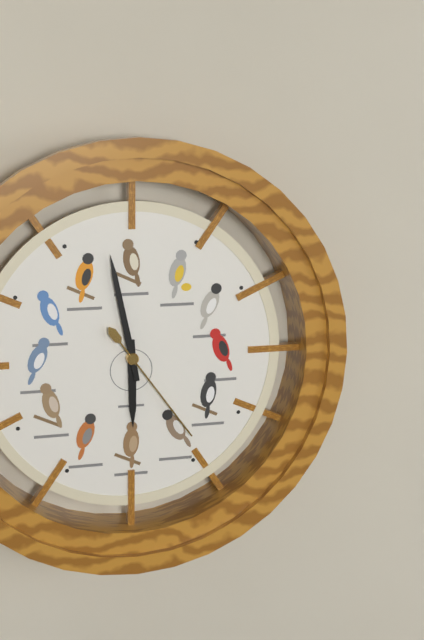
5:58:24
